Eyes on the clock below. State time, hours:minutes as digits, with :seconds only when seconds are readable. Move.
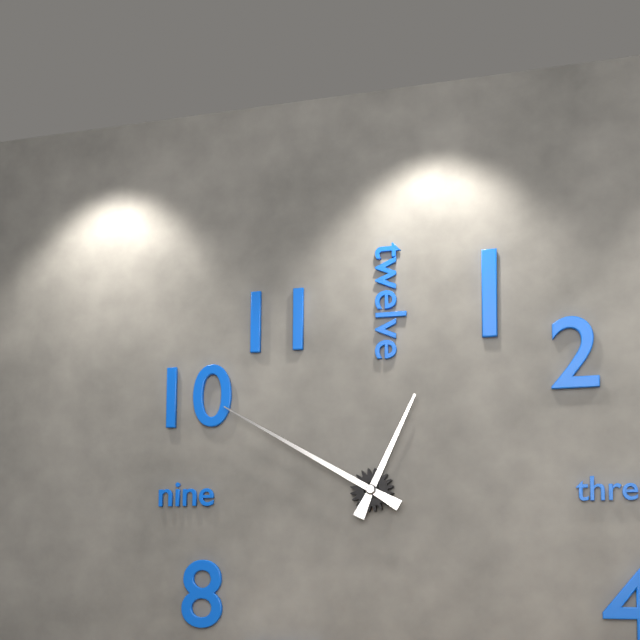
12:50
